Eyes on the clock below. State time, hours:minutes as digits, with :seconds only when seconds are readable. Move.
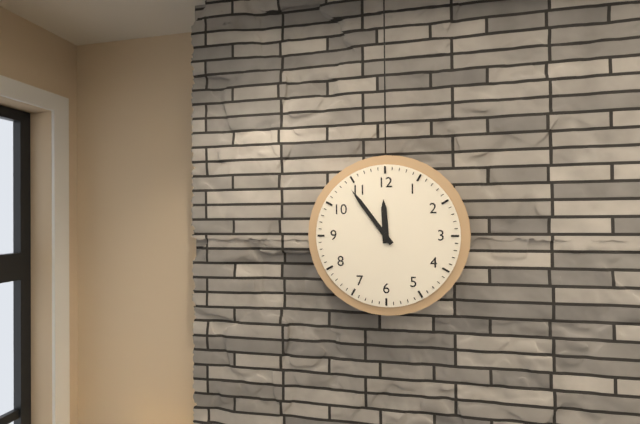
11:54
